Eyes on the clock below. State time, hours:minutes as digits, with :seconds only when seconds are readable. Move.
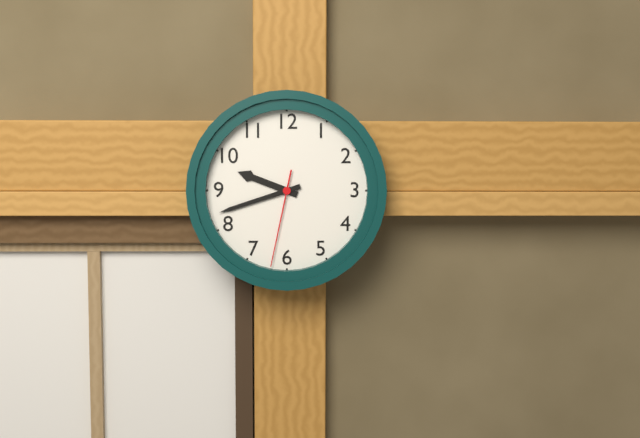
9:42:32
